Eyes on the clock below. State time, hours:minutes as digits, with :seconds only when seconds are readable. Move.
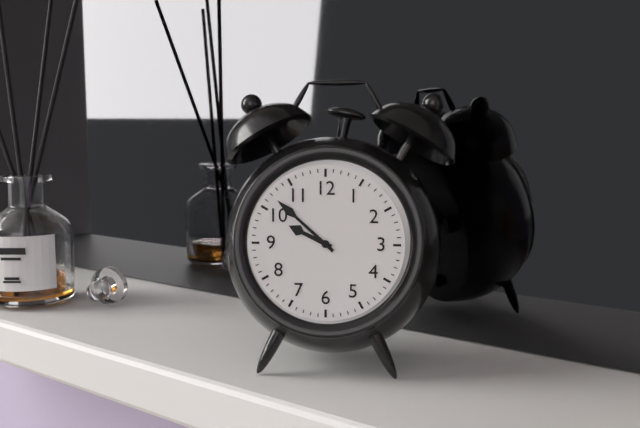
9:52
